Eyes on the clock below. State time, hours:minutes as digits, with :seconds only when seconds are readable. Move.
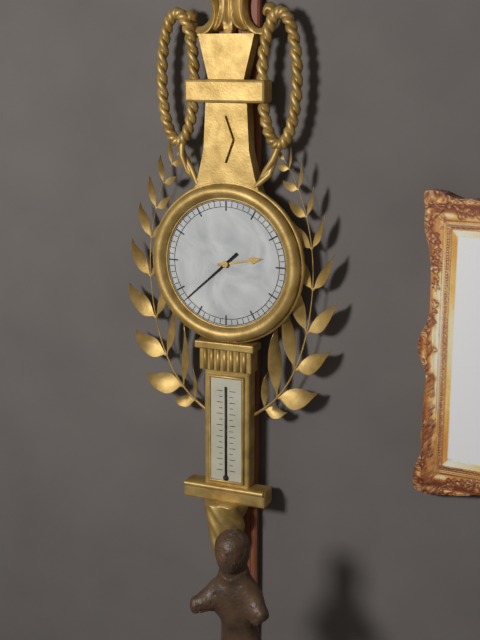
2:38
